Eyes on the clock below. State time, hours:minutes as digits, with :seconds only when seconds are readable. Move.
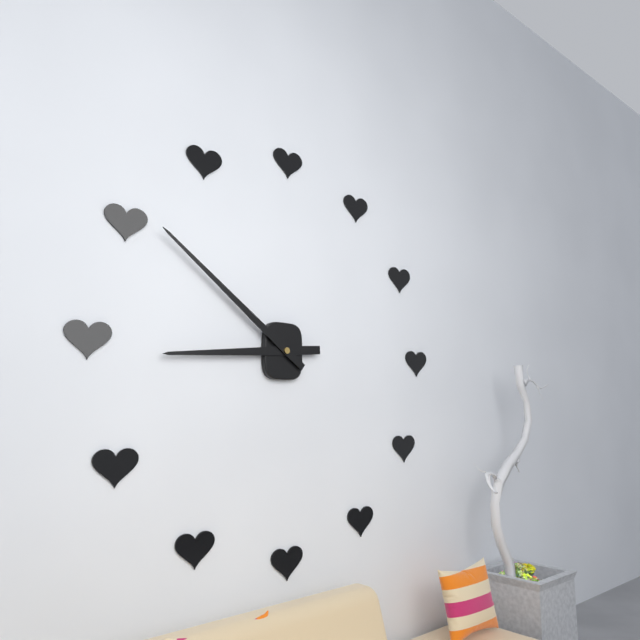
8:51
